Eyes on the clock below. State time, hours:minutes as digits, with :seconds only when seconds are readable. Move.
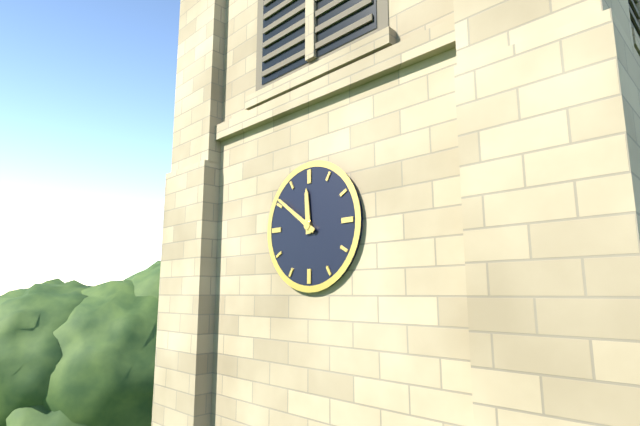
11:51
